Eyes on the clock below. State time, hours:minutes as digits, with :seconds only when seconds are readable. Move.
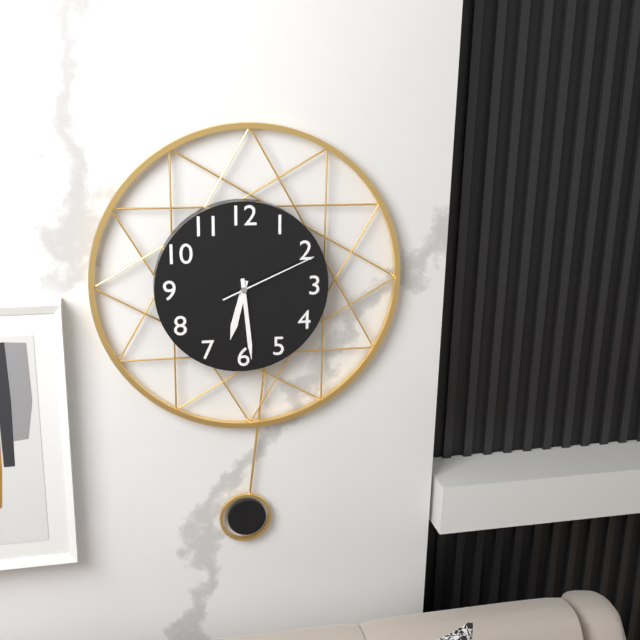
6:29:11
